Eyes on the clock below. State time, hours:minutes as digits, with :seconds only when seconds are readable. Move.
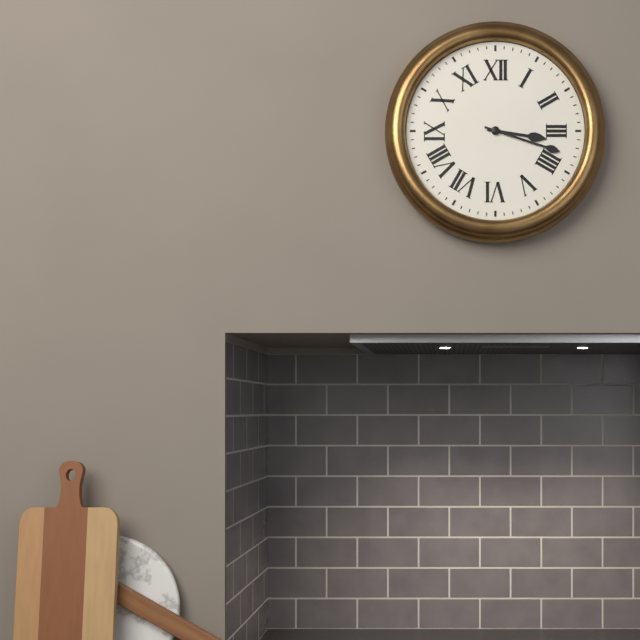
3:18
